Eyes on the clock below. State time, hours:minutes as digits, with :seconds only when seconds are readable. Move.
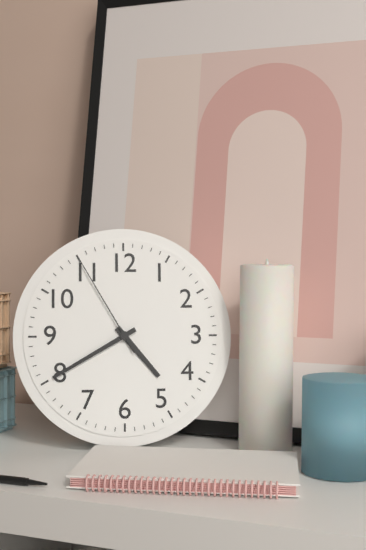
4:40:55
